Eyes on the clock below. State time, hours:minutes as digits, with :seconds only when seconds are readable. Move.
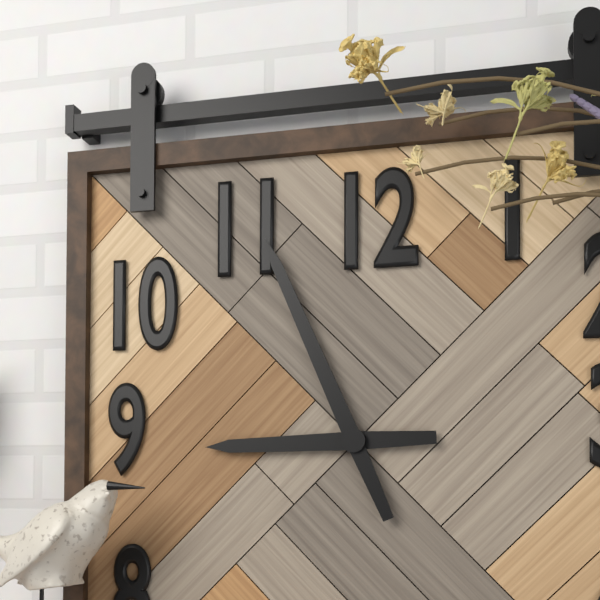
8:56
